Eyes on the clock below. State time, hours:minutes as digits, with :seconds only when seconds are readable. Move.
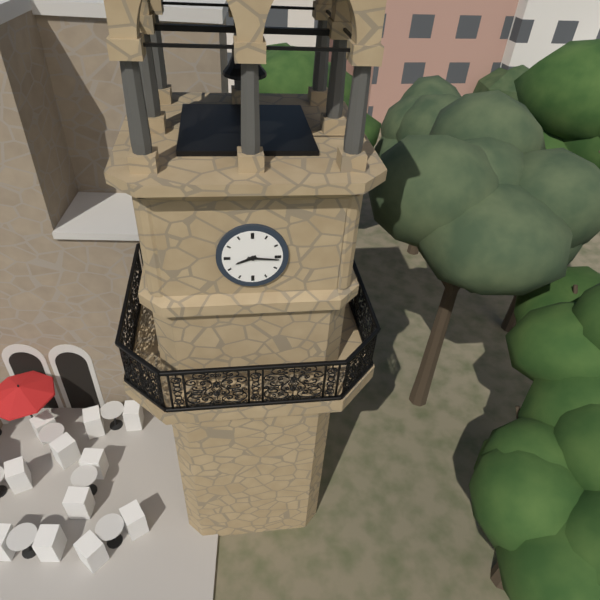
8:16
